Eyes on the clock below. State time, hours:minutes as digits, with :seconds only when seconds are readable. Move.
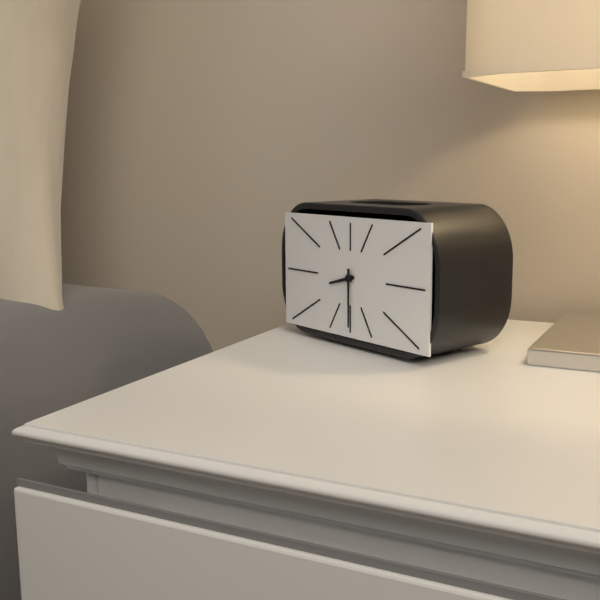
8:30
